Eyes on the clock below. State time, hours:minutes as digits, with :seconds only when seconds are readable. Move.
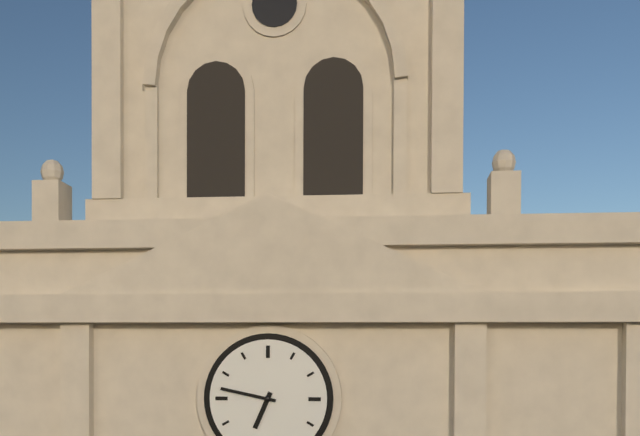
6:47
